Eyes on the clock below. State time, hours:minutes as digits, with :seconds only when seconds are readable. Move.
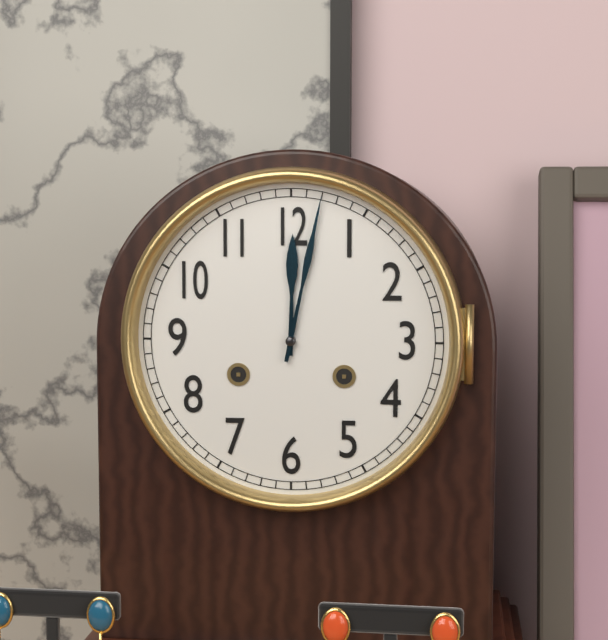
12:02
